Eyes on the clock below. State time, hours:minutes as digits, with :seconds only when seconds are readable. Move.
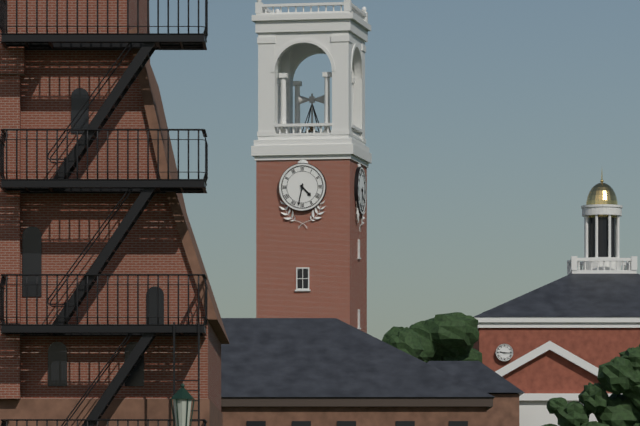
4:32
